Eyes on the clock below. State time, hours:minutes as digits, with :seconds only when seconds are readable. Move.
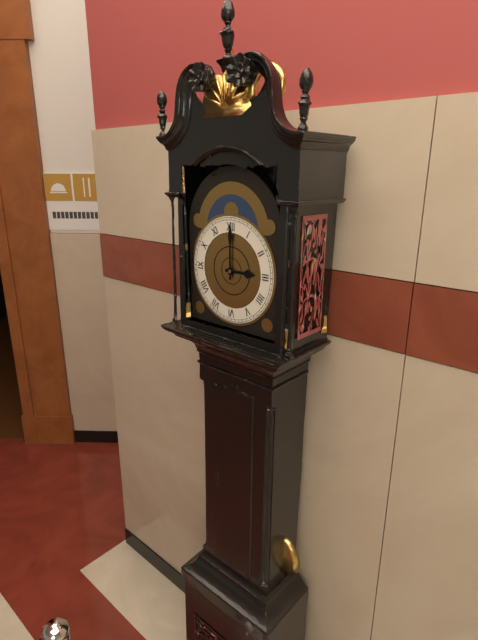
3:00
